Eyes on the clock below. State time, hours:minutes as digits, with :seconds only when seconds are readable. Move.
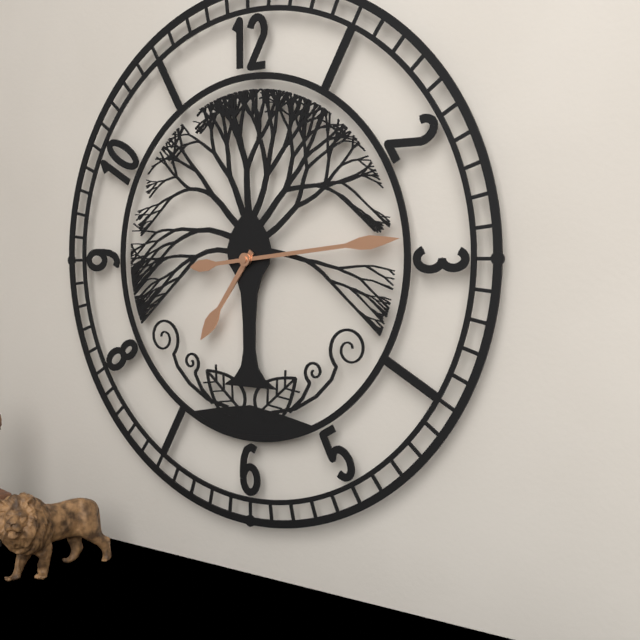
7:14
